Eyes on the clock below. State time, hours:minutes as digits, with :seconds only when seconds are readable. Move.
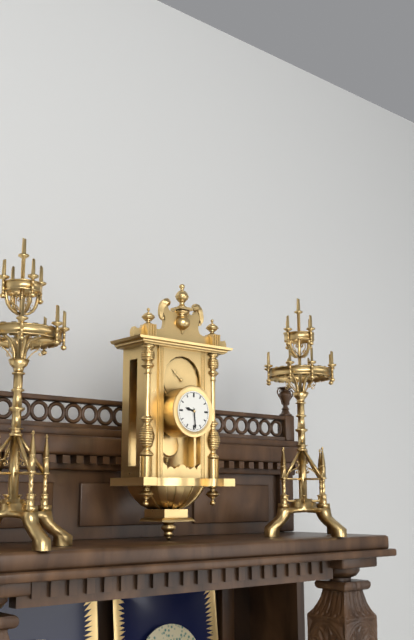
9:29
